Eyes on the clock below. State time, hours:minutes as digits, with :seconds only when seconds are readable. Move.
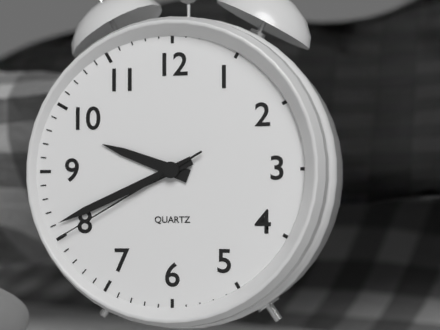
9:41:40
